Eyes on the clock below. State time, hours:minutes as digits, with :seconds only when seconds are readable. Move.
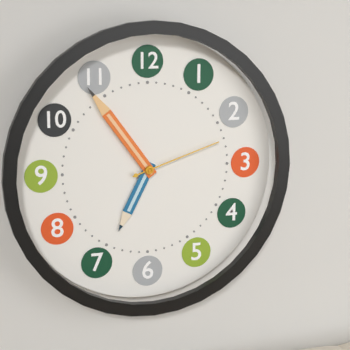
6:54:12
